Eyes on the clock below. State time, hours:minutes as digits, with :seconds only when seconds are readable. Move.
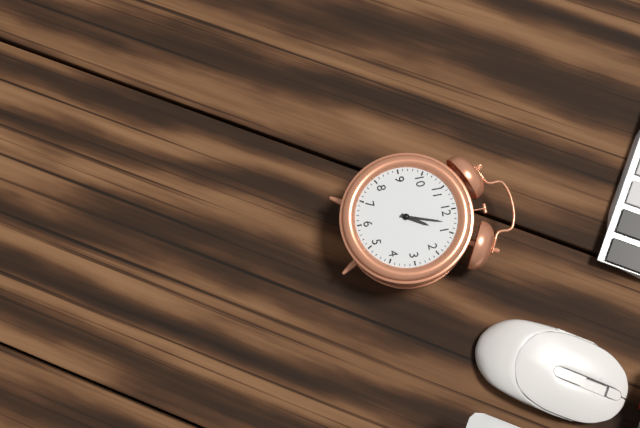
1:03
